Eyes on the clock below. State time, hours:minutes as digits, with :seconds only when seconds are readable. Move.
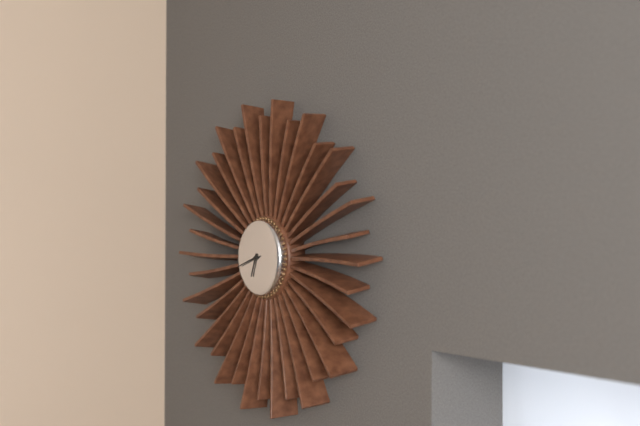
6:42
